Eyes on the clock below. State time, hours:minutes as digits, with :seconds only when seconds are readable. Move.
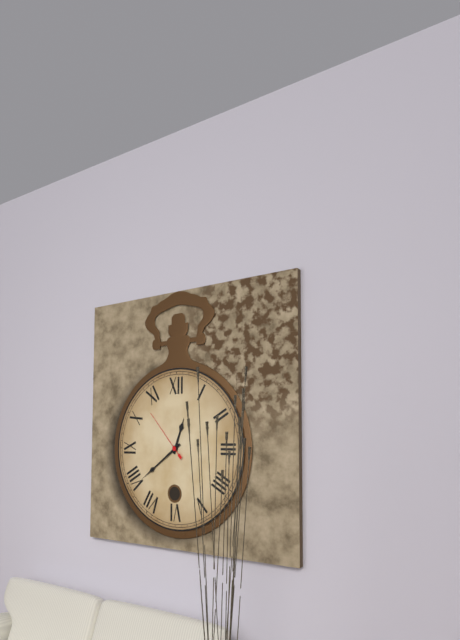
12:39:53
